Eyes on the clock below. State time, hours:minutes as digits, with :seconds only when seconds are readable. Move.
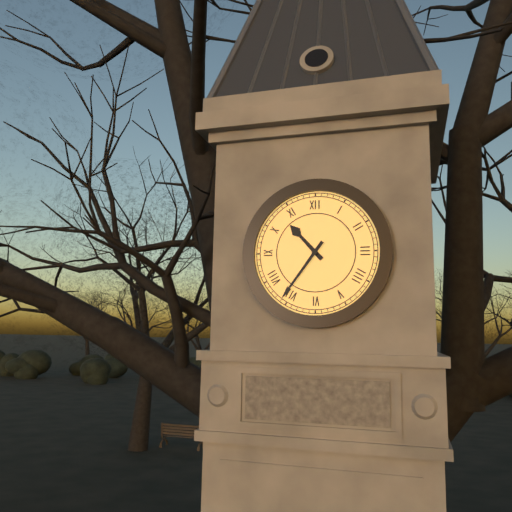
10:36
